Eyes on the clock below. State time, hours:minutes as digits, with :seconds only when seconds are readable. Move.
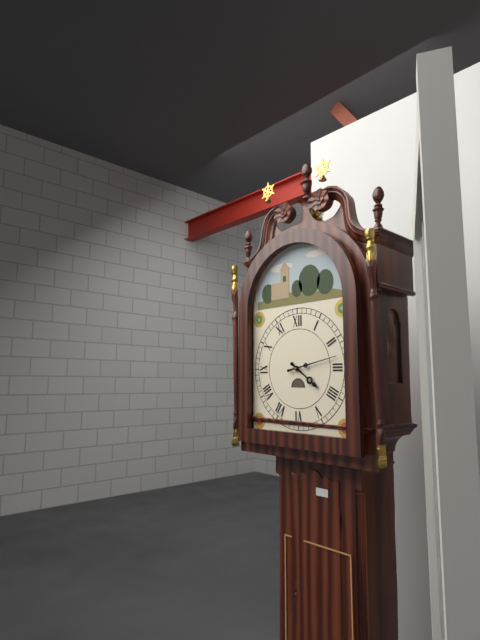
4:13
